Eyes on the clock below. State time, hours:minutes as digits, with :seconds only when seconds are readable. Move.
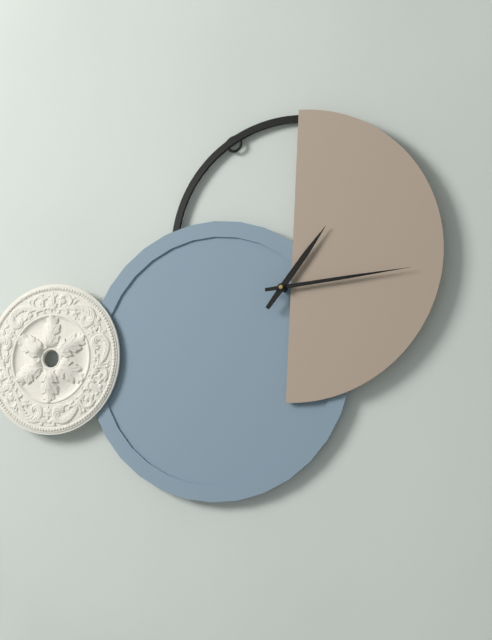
1:14
